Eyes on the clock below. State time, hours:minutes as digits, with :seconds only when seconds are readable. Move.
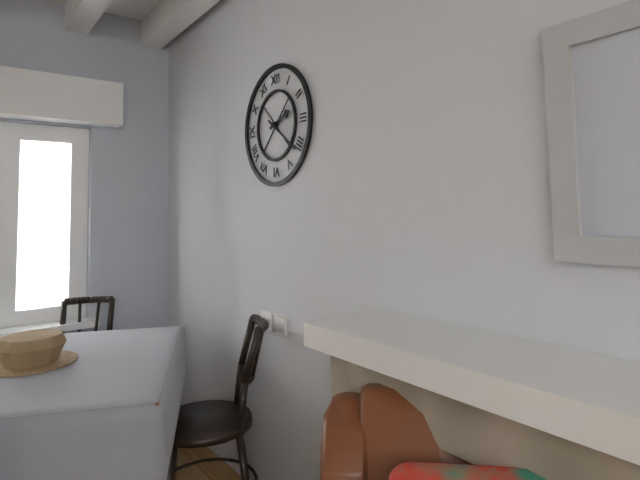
2:21
